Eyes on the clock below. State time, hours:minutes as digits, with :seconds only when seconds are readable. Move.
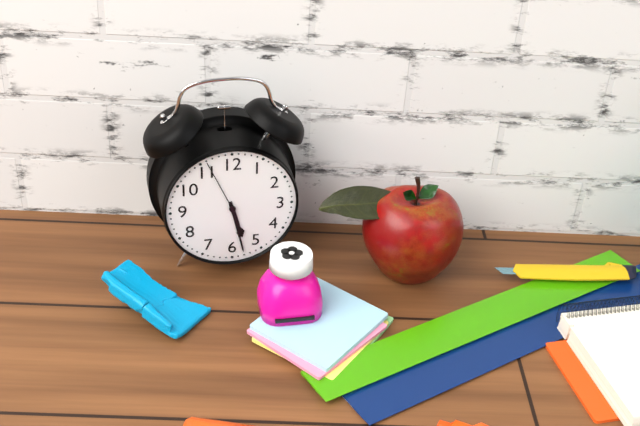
5:28:56
